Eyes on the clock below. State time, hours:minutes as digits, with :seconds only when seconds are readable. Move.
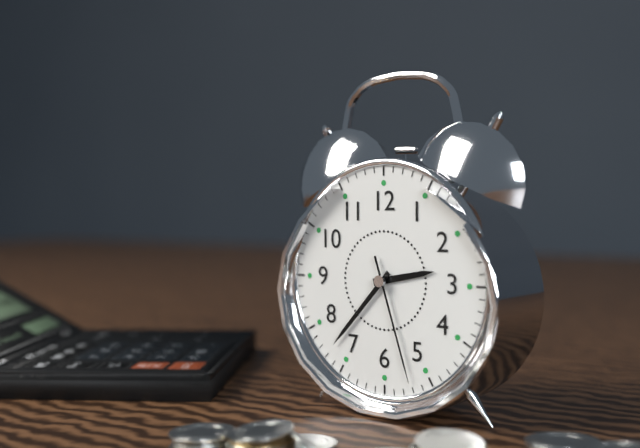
2:37:27
